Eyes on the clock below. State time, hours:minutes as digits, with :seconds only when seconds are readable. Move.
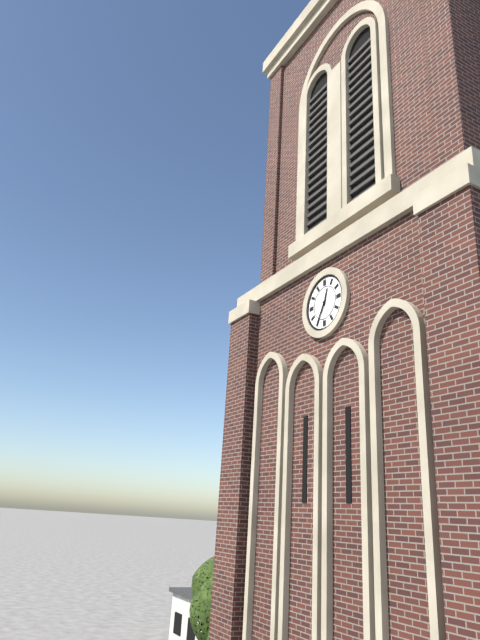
12:35
